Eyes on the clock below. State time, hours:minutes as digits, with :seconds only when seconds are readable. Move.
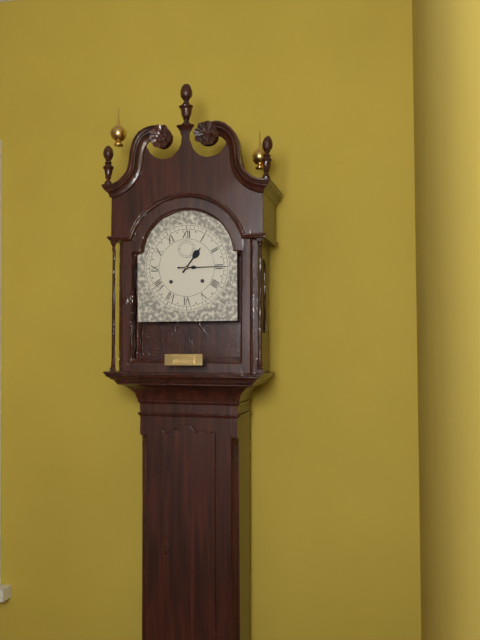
1:15
